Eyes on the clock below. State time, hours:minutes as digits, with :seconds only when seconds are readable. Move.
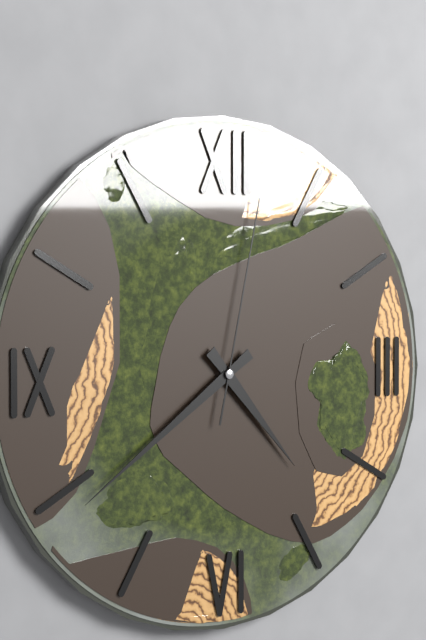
4:39:02
